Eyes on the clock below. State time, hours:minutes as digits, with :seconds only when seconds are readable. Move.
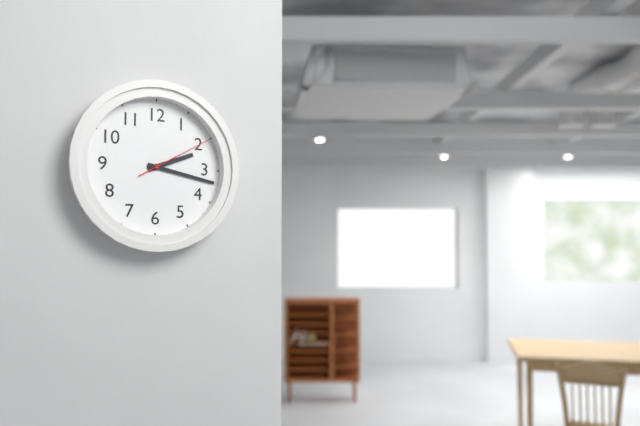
2:17:10
